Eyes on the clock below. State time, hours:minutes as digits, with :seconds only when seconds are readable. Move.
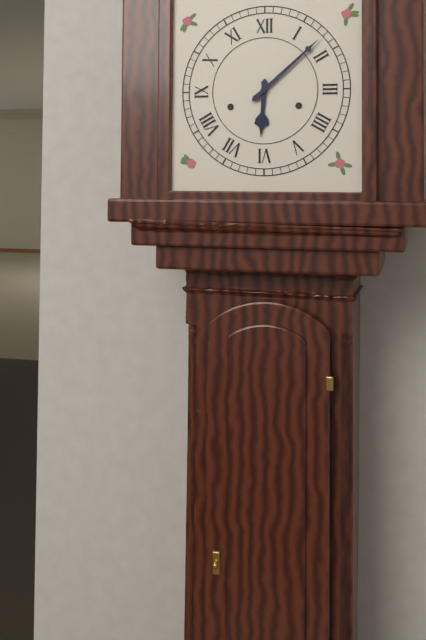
6:08
